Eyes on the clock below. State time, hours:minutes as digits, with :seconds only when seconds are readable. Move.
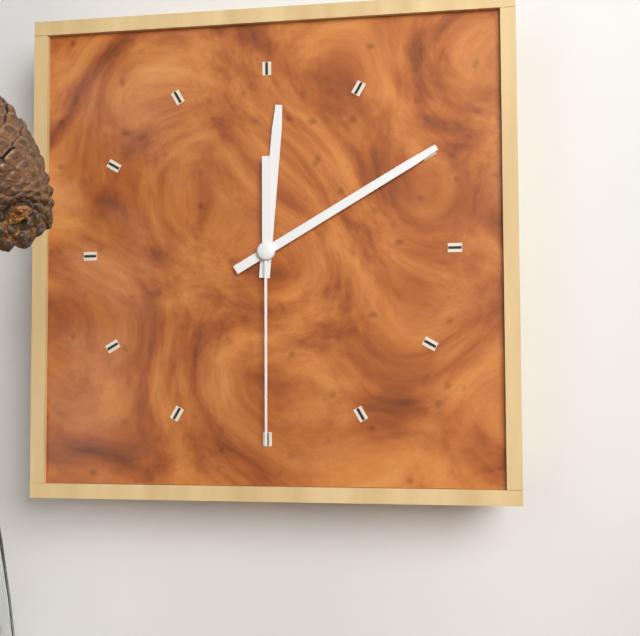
12:10:30
